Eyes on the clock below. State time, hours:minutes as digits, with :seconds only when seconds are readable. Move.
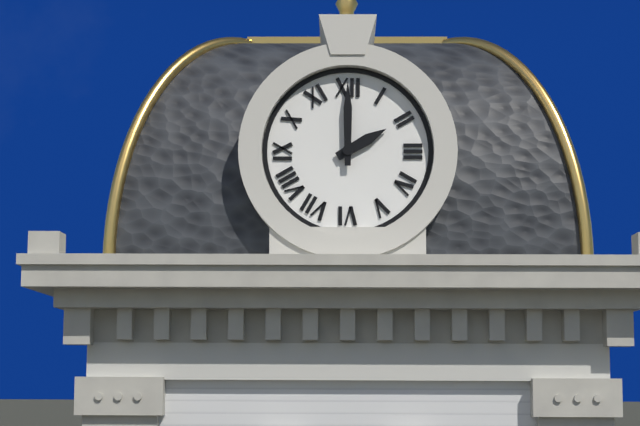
2:00
